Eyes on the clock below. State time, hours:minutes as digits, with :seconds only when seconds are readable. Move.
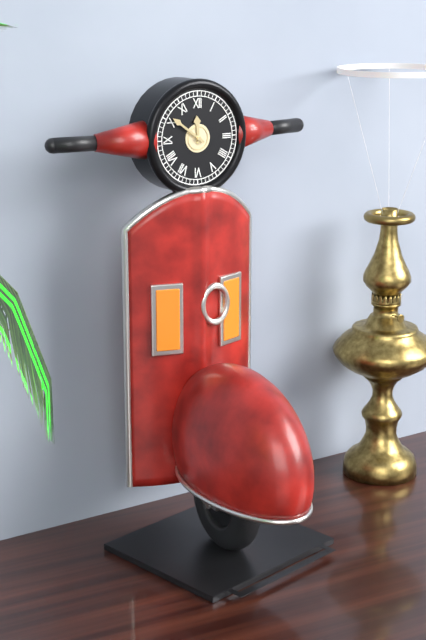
11:51
